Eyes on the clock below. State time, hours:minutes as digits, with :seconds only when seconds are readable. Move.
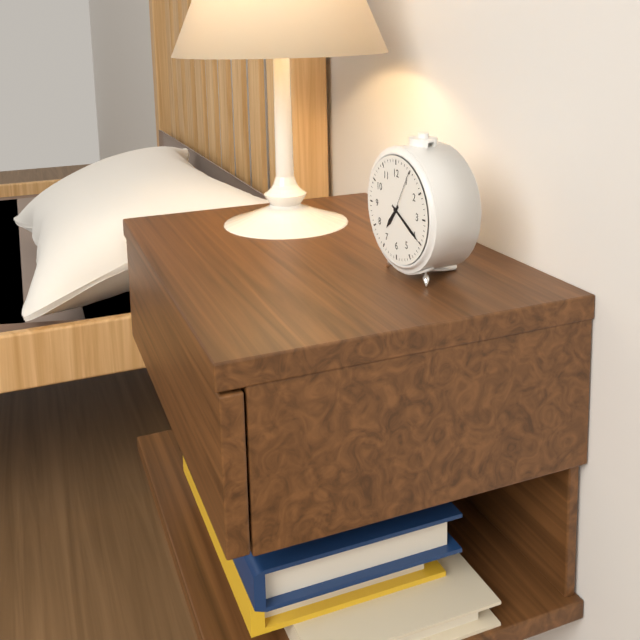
7:20:05
